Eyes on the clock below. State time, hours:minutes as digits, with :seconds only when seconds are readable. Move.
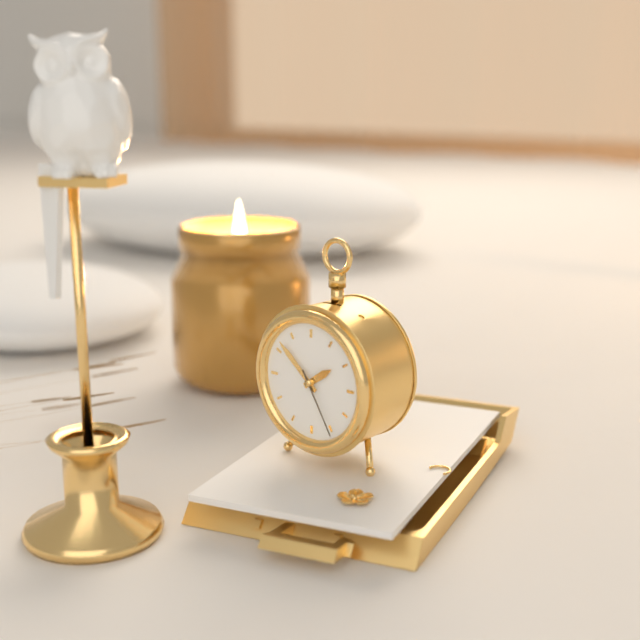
1:52:25
